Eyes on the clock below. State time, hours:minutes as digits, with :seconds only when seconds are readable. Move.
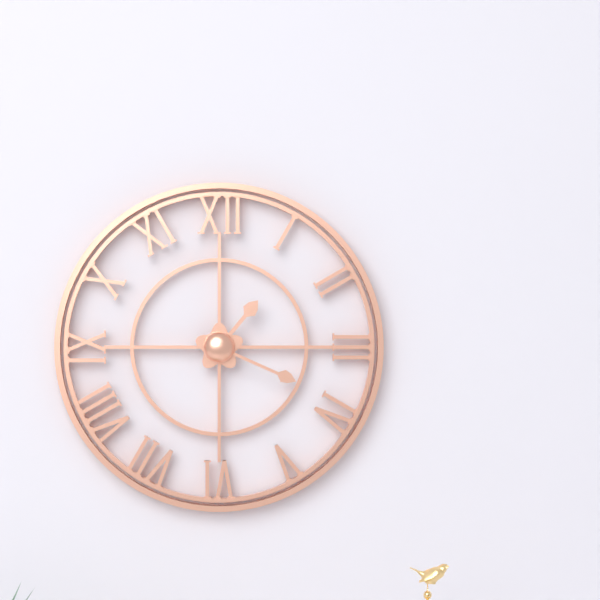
1:19
